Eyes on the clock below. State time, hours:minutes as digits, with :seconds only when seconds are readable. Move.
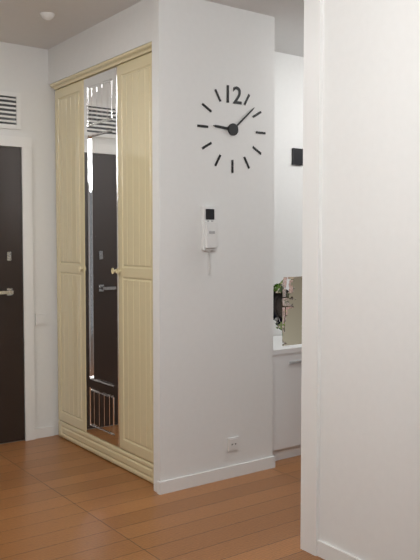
9:08
